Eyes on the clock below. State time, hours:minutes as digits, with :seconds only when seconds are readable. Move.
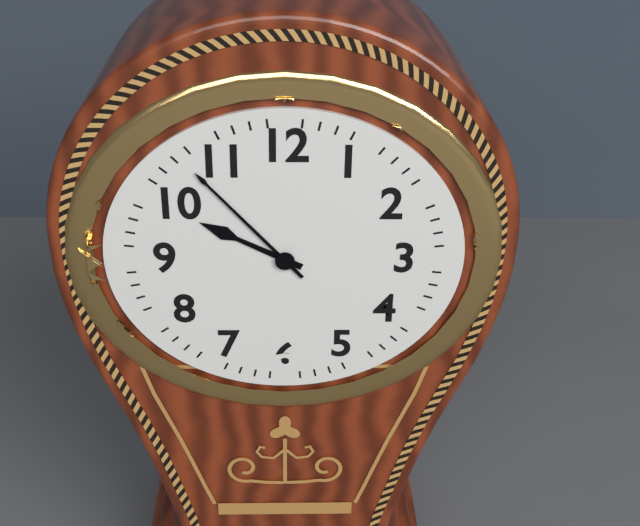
9:53
